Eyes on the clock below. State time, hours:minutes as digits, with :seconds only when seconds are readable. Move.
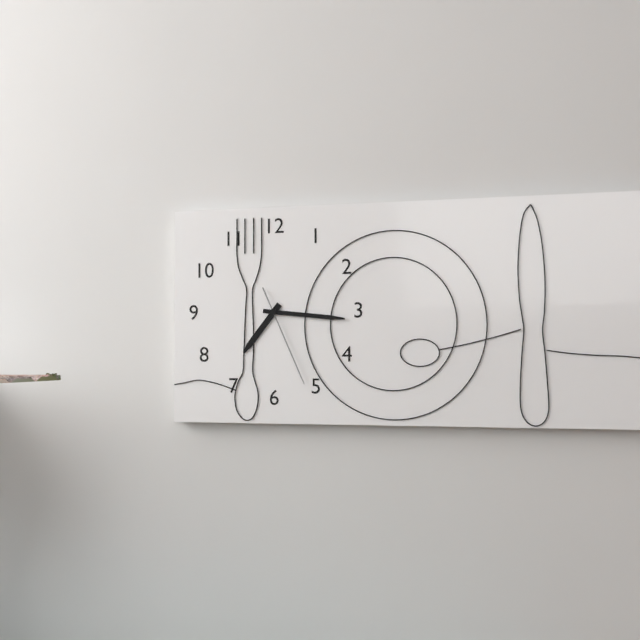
7:16:26
